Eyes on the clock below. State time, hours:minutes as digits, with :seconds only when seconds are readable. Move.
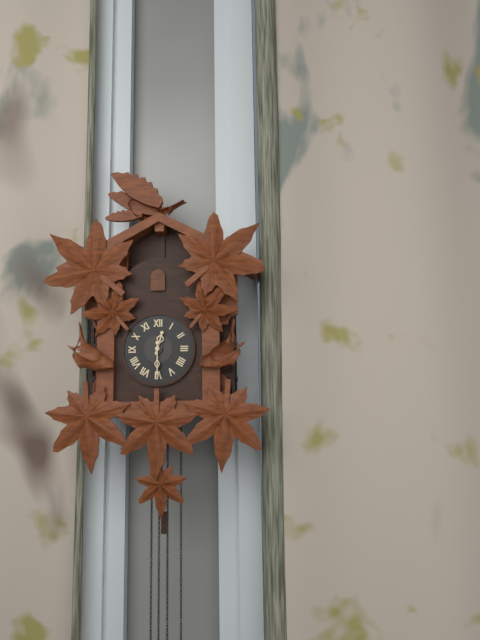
12:30
